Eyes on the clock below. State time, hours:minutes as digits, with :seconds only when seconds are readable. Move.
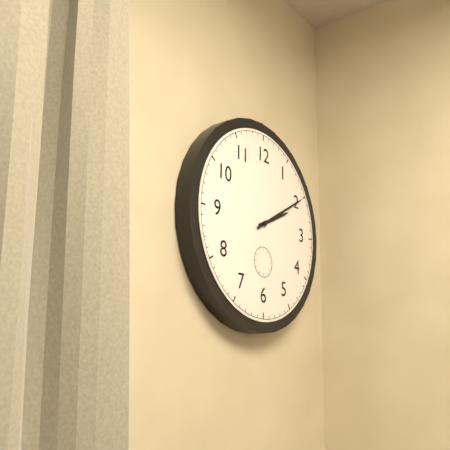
2:10
